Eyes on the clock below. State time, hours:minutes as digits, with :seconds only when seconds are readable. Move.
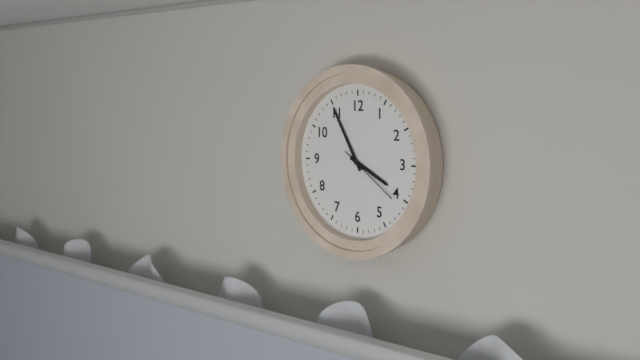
3:55:21
